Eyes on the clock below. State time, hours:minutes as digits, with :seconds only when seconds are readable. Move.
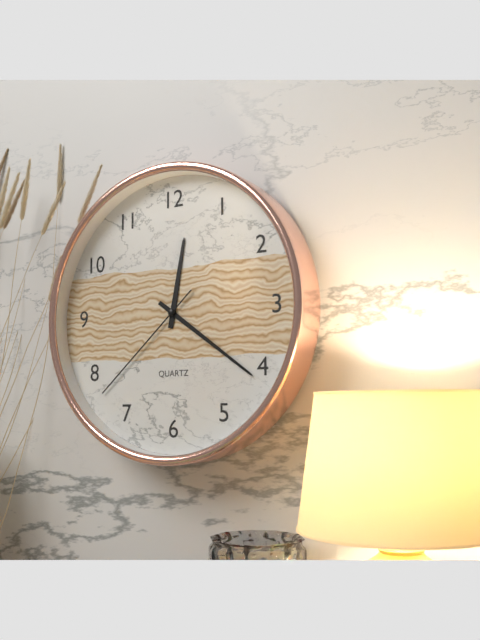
12:21:38
